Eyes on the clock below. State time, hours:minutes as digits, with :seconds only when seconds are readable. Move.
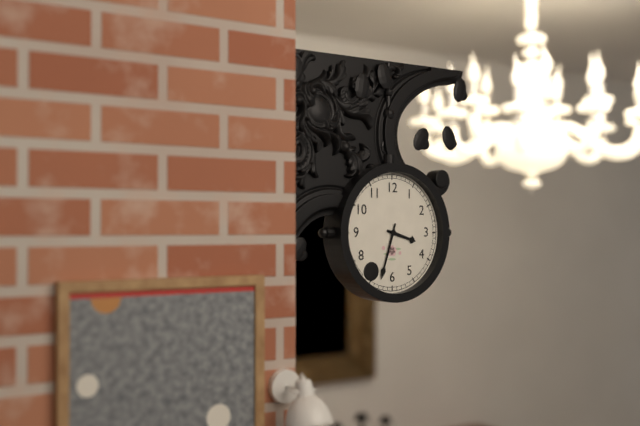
3:33
